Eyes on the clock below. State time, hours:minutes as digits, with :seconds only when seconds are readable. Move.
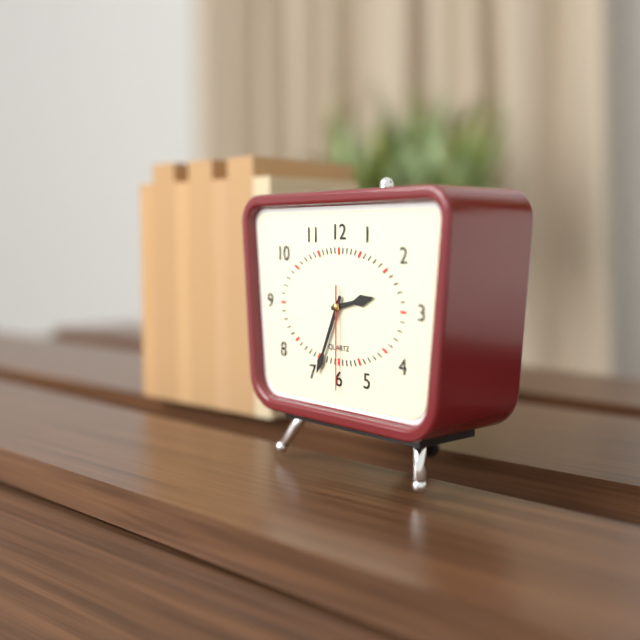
2:34:30
